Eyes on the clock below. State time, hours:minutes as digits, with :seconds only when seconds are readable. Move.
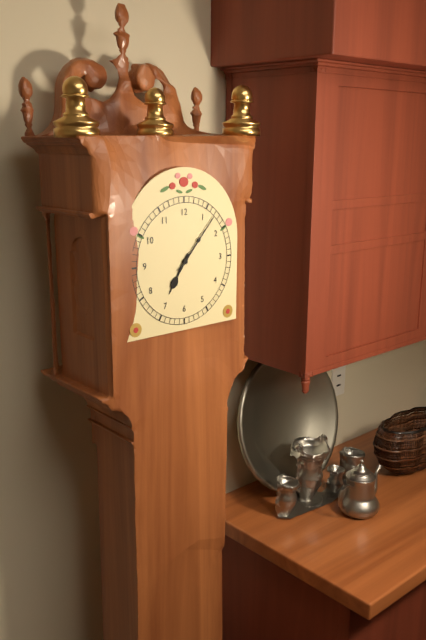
7:07
